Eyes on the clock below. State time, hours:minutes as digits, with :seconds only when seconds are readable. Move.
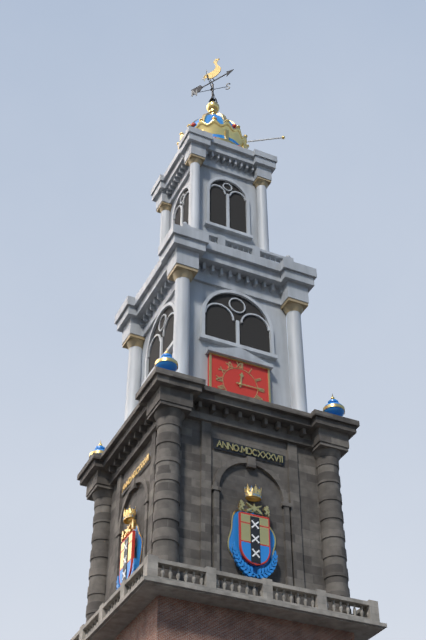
12:15
